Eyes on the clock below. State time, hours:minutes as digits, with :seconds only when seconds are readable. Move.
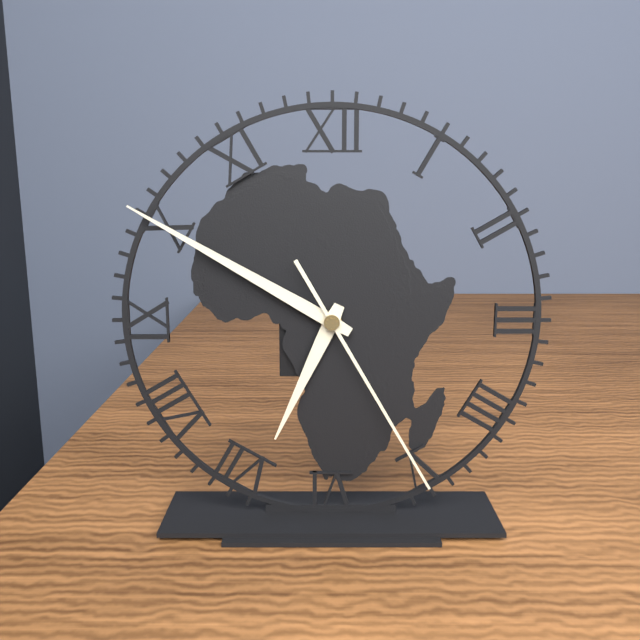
6:50:25
